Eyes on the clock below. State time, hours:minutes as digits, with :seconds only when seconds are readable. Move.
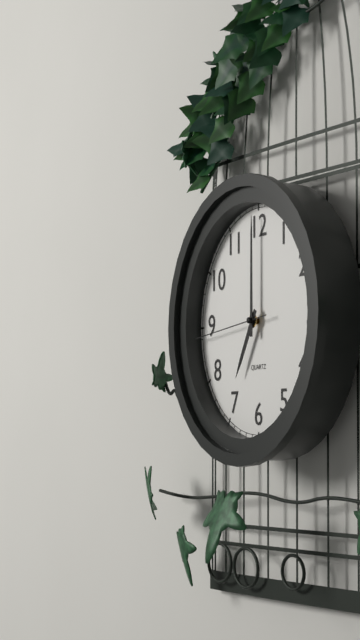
7:00:44
